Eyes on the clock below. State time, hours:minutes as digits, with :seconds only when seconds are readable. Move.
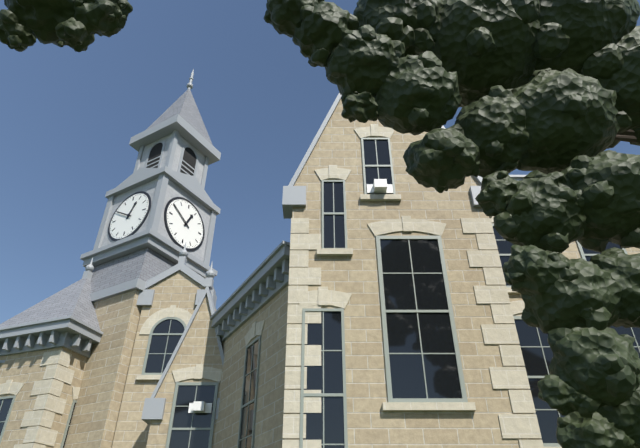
12:50
